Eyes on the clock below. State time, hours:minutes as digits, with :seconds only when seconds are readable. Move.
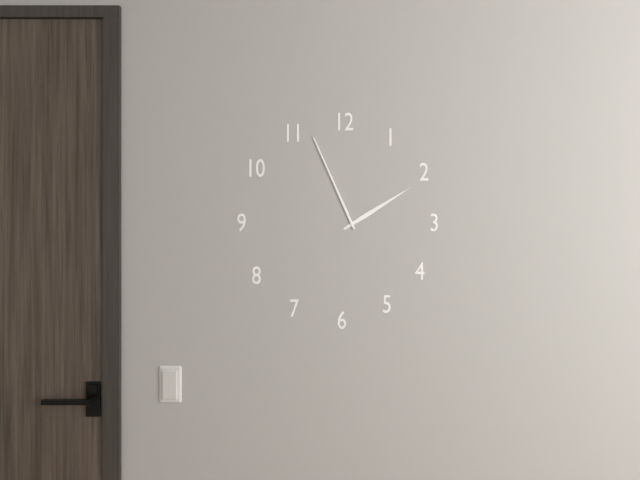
1:56
